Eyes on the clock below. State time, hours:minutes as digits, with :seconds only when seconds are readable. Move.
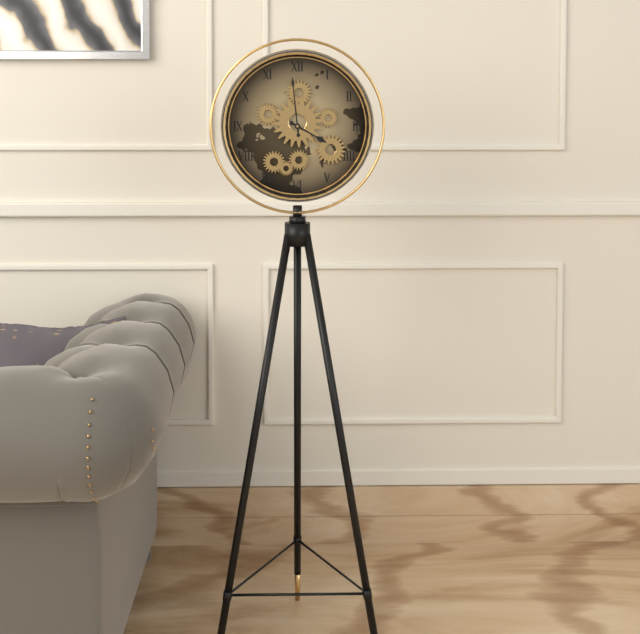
3:59
